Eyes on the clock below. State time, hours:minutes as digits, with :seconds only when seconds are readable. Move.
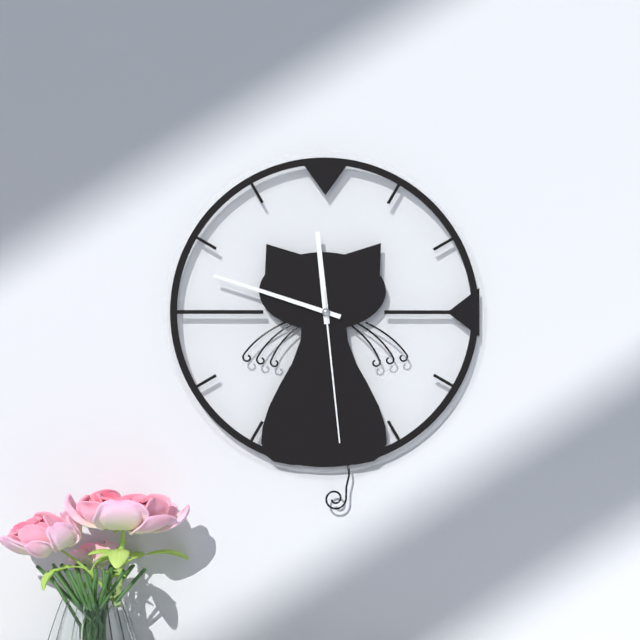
11:48:29
